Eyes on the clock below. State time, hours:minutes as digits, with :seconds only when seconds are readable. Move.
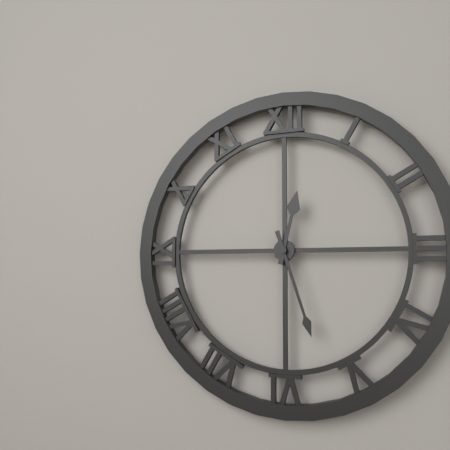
12:27
